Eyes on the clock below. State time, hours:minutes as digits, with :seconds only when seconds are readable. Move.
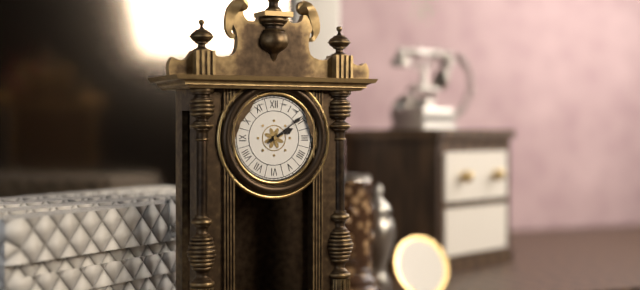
2:09
